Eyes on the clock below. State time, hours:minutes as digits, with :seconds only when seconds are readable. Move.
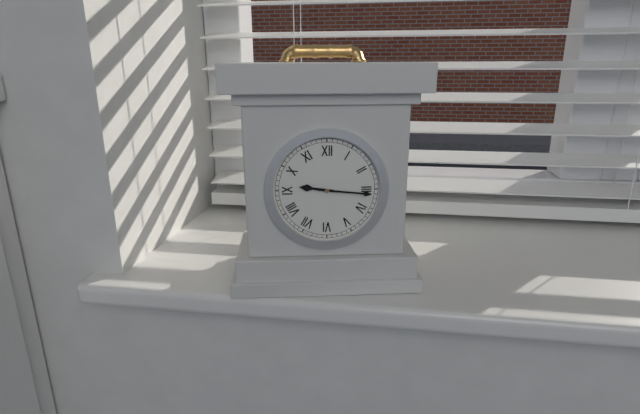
9:16
